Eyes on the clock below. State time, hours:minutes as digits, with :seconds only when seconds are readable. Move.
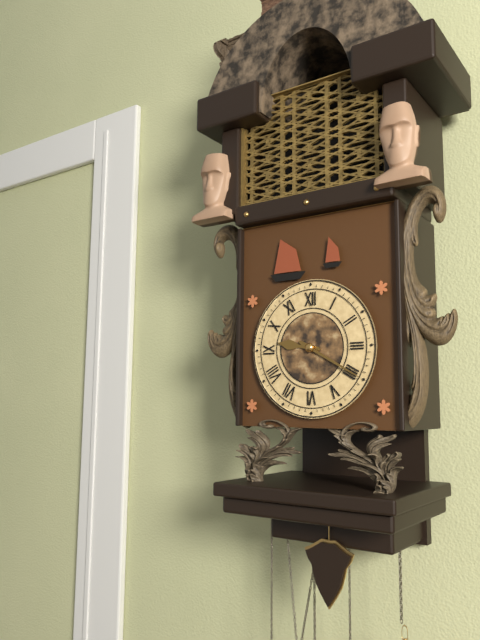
9:20
